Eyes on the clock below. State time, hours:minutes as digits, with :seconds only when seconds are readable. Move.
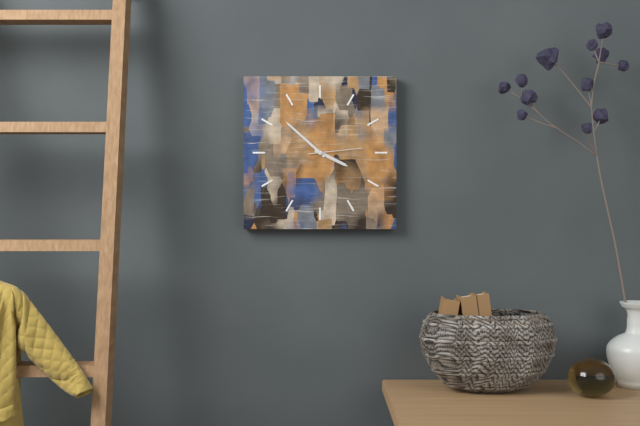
3:52:14
